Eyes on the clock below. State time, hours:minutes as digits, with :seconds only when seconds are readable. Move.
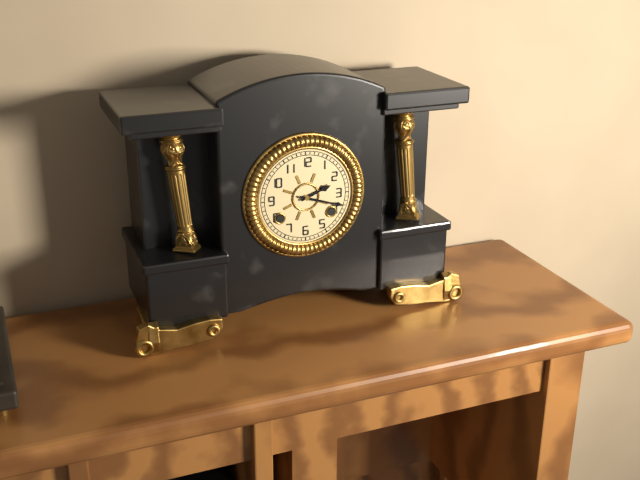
2:18
